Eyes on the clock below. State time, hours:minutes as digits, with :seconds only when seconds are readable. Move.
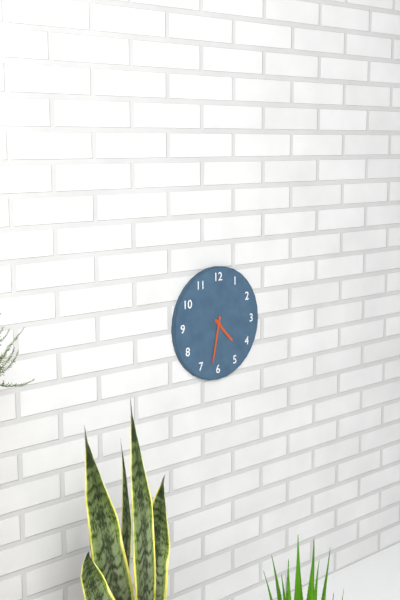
4:32
